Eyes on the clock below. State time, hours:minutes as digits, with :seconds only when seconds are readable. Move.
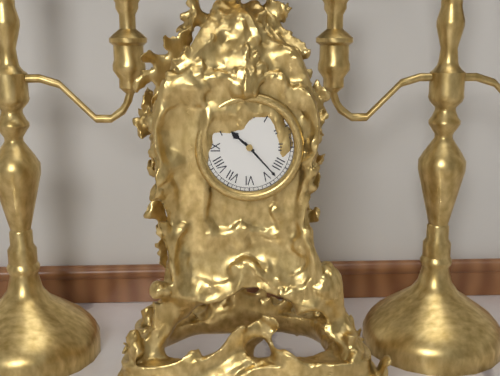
10:23
